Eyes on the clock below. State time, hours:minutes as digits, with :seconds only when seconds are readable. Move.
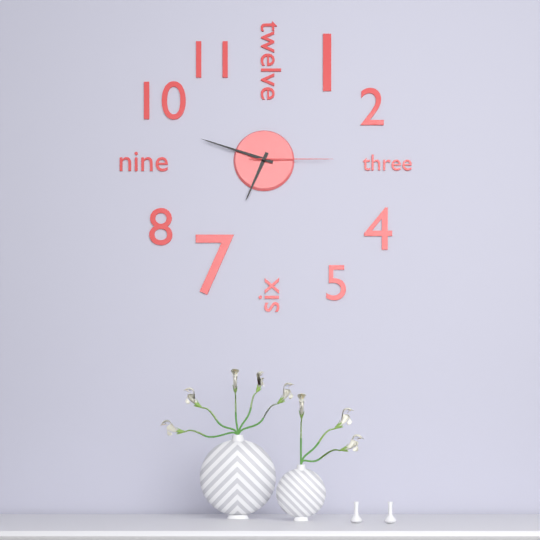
6:48:15
